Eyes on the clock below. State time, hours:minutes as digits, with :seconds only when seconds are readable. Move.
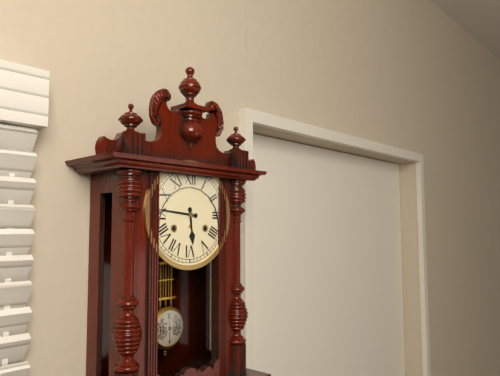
5:46
